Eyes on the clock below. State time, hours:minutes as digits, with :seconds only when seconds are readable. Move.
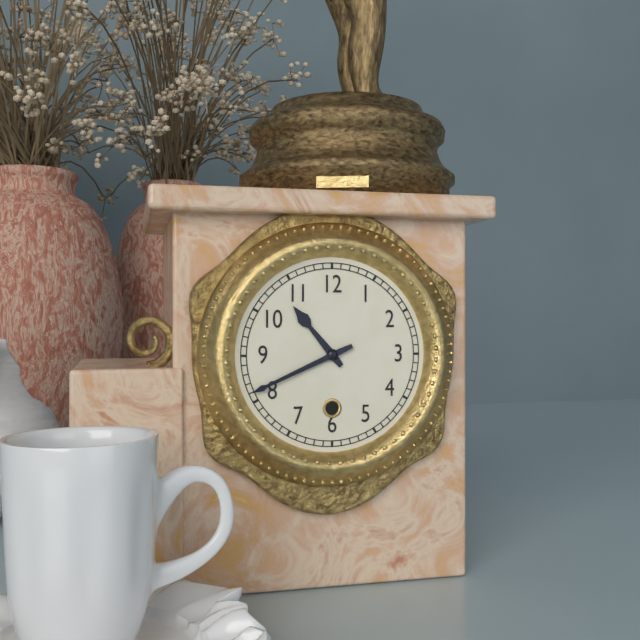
10:41
